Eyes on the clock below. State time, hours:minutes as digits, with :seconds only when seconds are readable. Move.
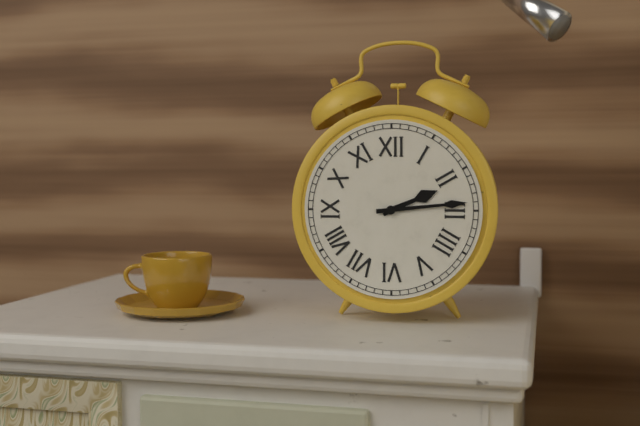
2:14
